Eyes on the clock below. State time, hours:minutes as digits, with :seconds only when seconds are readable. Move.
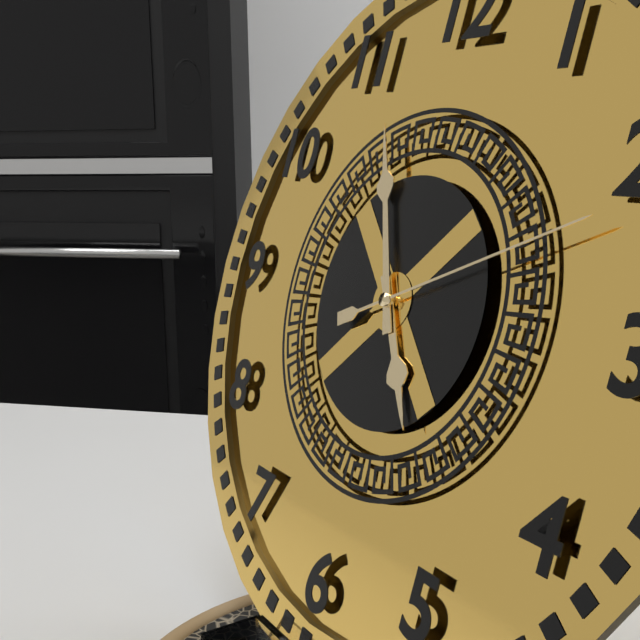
4:56:11
